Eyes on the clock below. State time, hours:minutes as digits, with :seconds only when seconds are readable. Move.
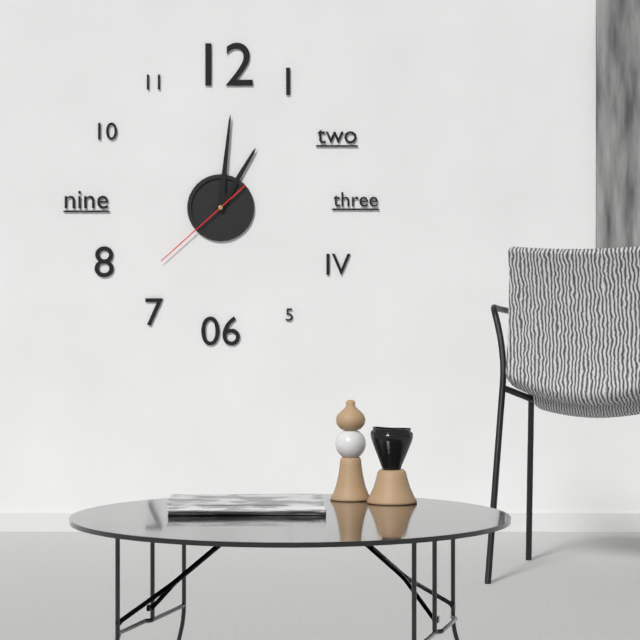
1:01:38
